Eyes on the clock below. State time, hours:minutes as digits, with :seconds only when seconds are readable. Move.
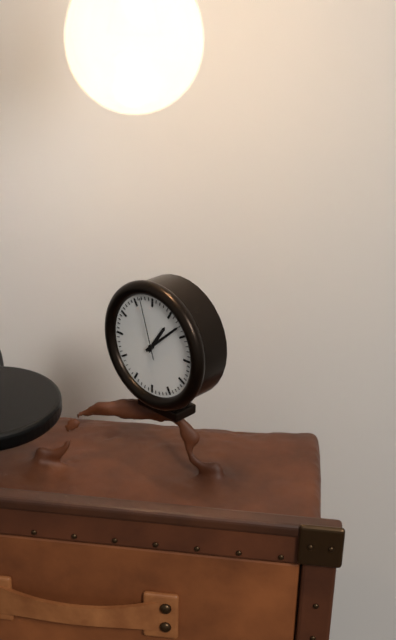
1:08:57
